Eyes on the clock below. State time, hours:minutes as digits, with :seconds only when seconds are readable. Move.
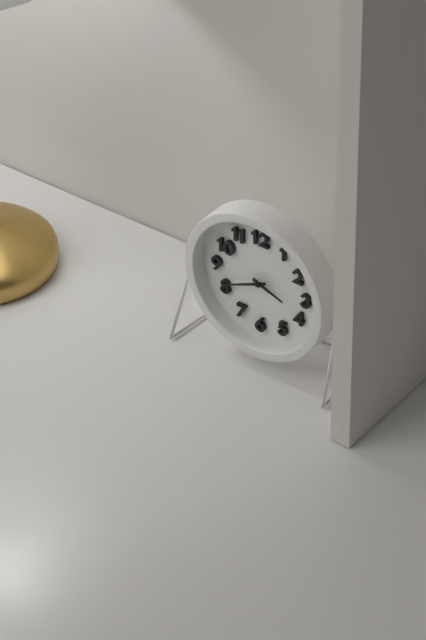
3:41
